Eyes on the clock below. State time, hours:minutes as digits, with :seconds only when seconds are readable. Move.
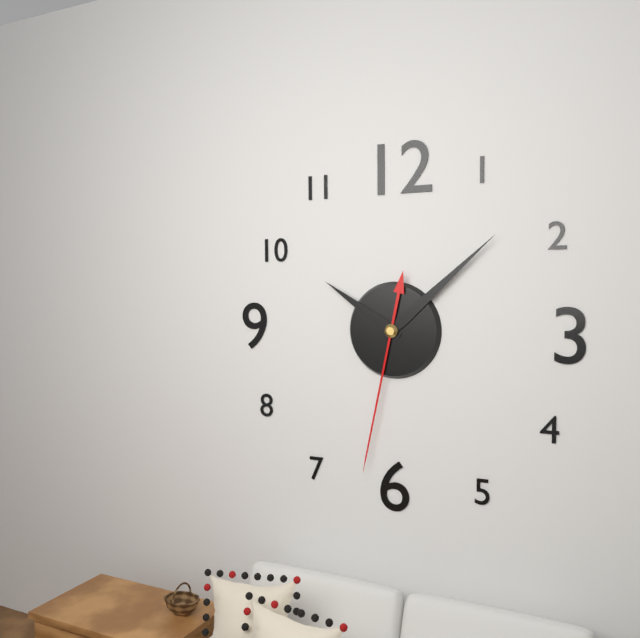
10:08:32
